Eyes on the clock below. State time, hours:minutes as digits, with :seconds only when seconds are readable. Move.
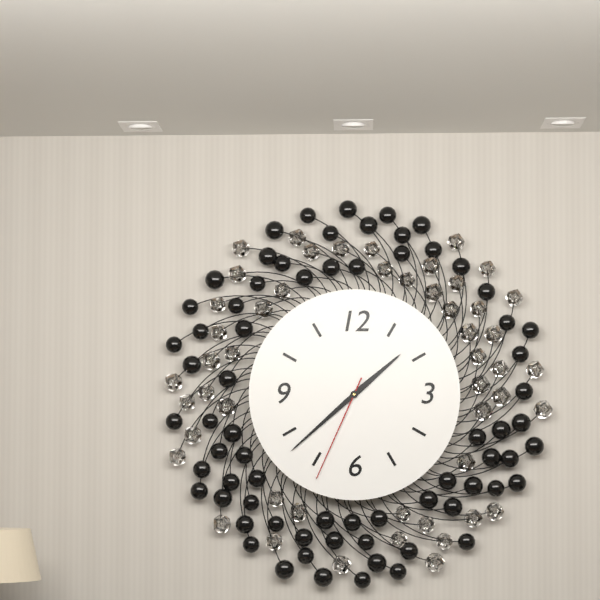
1:38:34
